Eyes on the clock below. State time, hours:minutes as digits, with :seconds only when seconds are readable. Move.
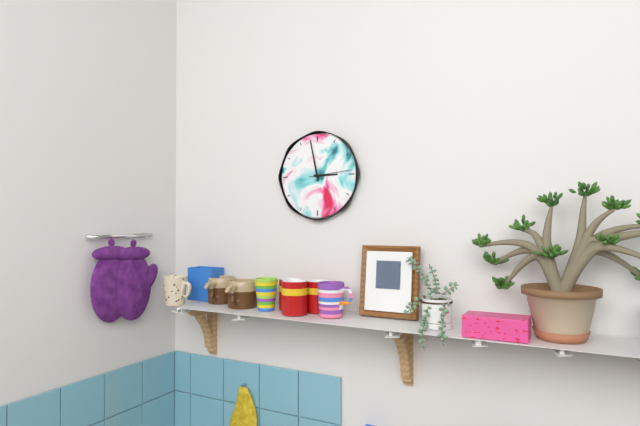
2:58
